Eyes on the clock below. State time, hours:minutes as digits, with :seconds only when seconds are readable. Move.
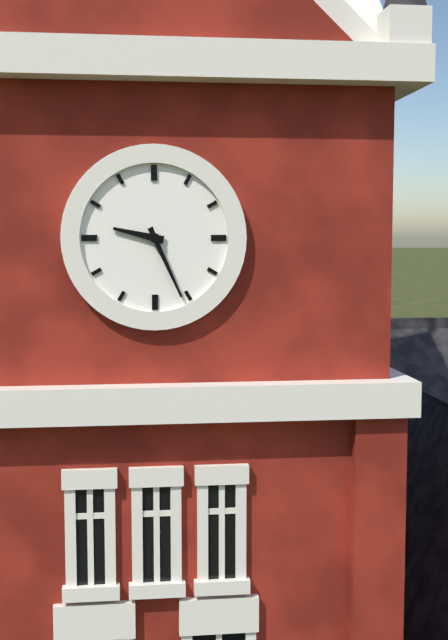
9:26
